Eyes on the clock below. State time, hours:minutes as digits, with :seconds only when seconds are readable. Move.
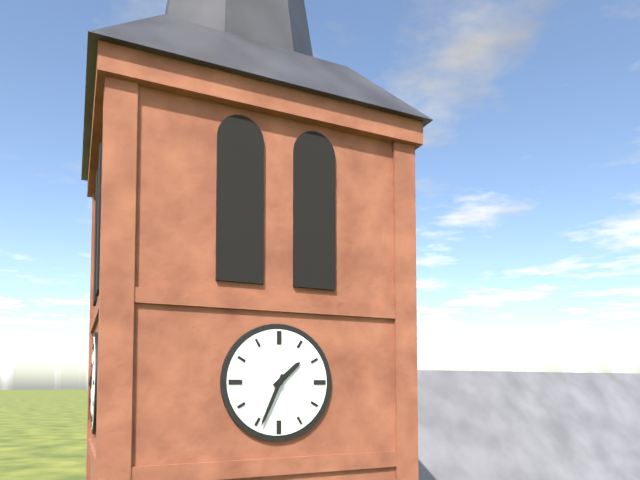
1:34
